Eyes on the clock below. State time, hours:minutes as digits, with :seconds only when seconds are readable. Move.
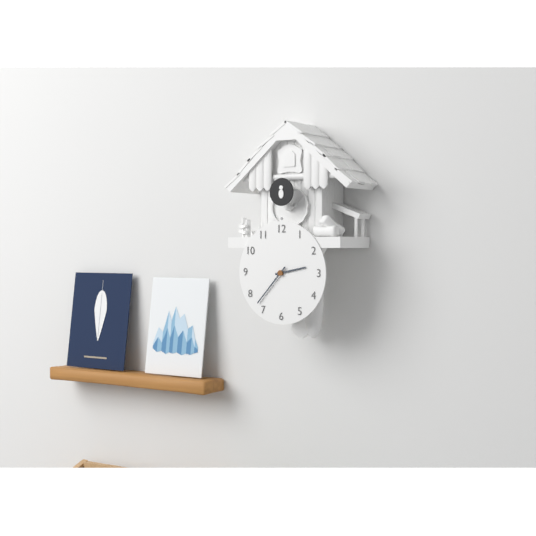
2:37
